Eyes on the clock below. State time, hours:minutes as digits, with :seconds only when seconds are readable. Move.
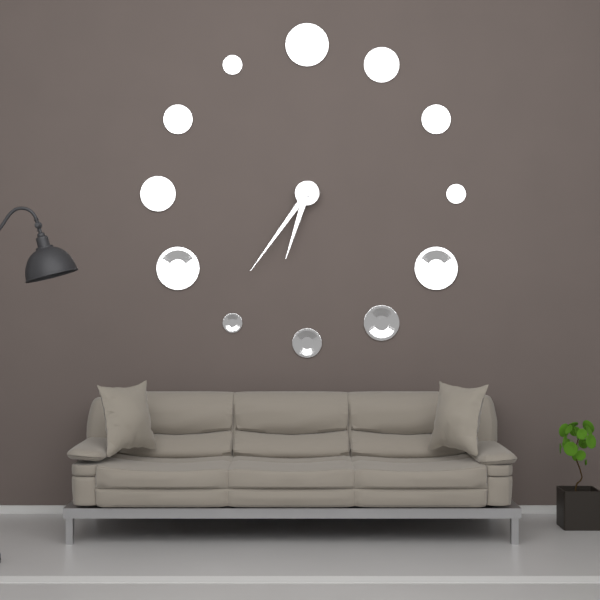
6:36
